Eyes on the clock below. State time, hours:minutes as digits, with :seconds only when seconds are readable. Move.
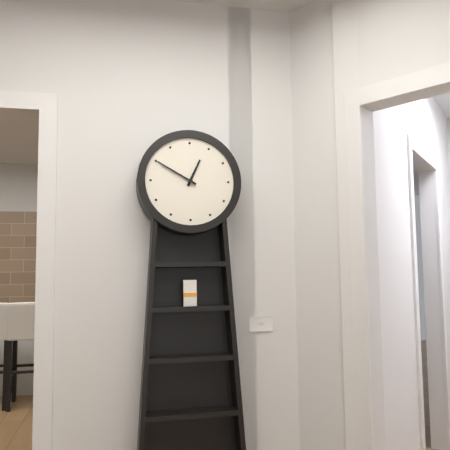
12:50
